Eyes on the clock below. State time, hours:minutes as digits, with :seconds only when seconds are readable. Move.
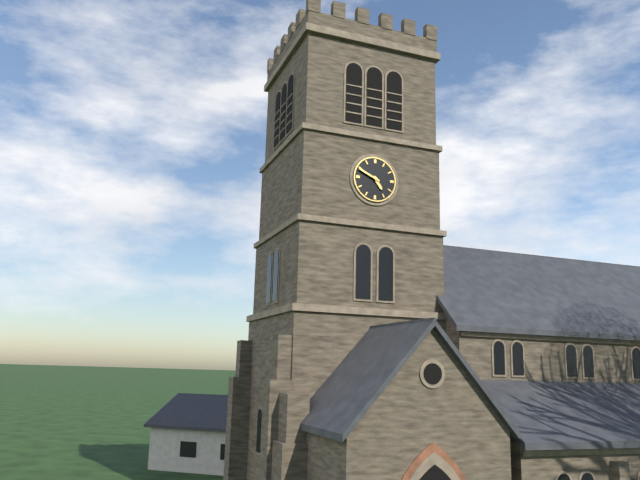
4:49
